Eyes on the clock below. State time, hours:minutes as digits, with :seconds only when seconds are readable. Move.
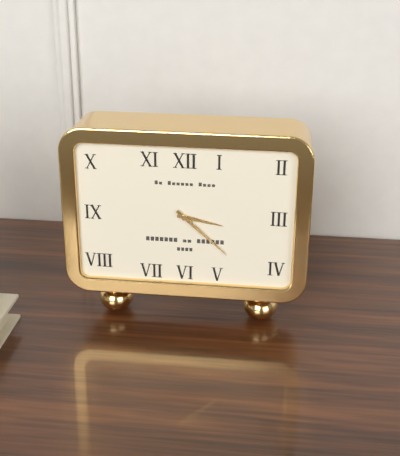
3:22
